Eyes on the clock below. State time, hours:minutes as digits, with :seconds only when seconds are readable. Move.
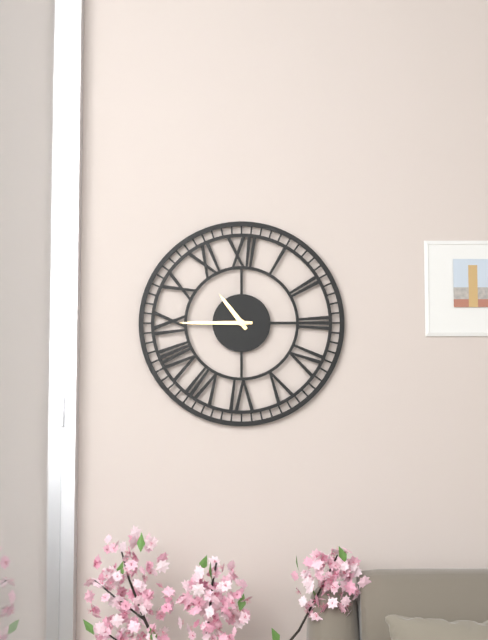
10:45
